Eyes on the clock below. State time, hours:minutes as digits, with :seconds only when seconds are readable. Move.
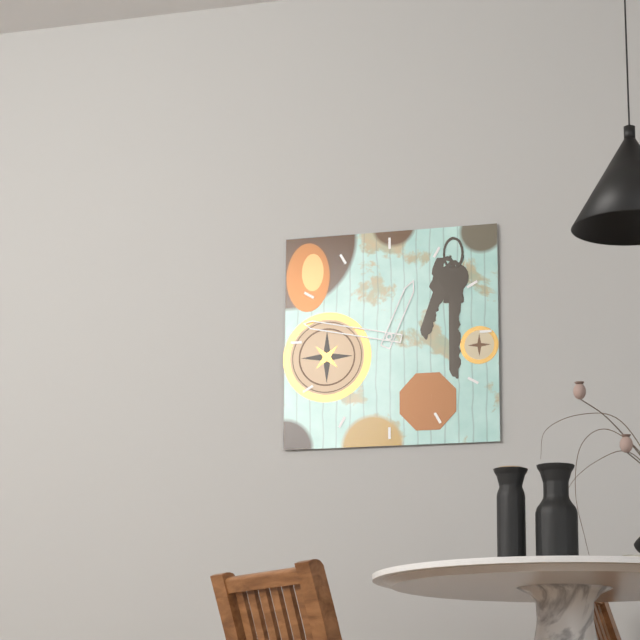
12:47
